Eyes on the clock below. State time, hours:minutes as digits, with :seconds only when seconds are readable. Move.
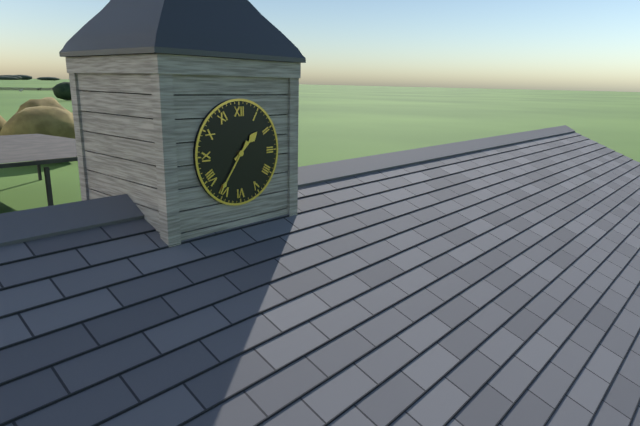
1:36
